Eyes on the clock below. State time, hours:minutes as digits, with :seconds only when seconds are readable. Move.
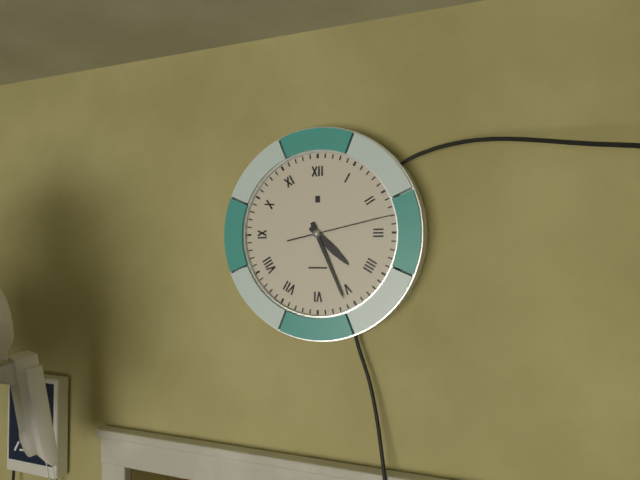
4:26:13
